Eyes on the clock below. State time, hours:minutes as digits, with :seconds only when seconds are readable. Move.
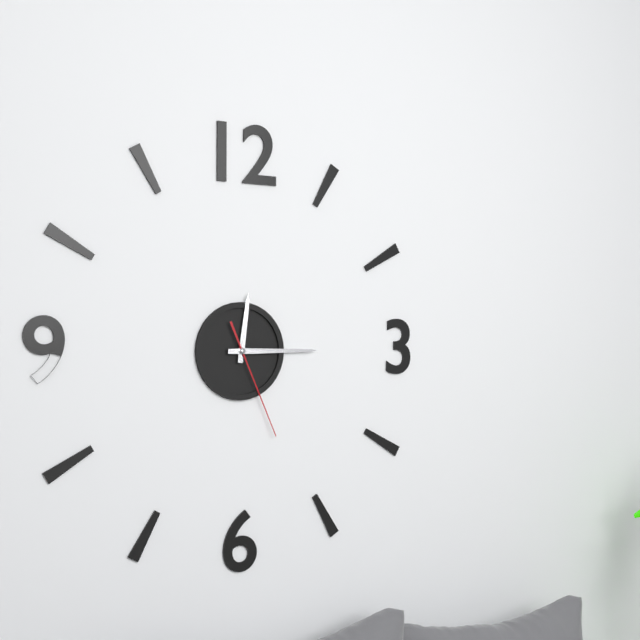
12:15:26
